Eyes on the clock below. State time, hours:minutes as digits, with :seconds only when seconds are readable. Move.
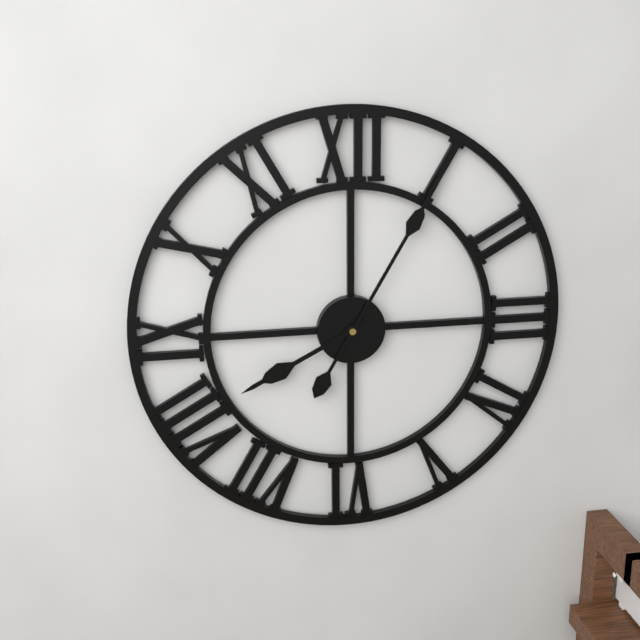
8:05
